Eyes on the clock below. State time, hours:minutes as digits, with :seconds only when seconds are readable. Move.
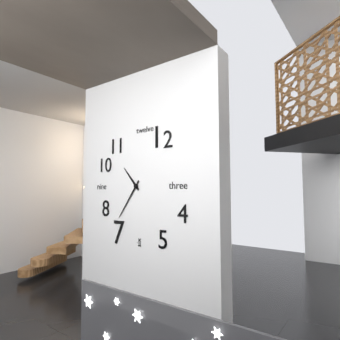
10:36
